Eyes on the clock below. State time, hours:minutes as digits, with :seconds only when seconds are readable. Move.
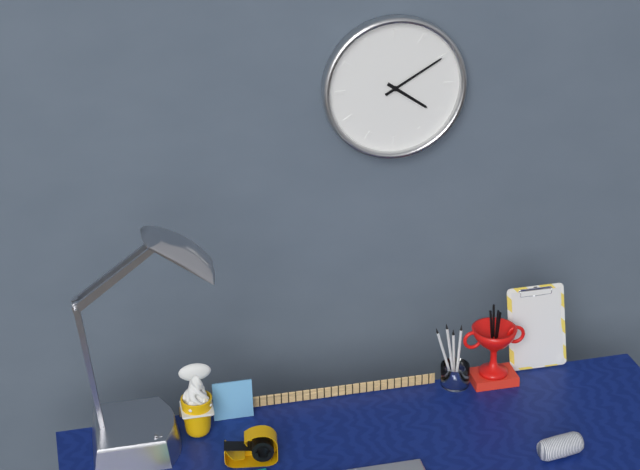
4:10
